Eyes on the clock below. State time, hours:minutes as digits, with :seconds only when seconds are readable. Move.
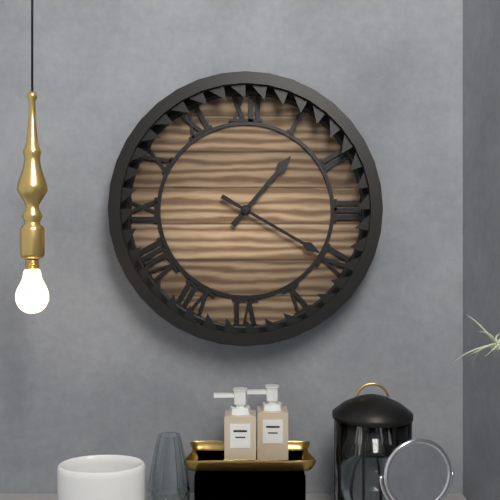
1:20
